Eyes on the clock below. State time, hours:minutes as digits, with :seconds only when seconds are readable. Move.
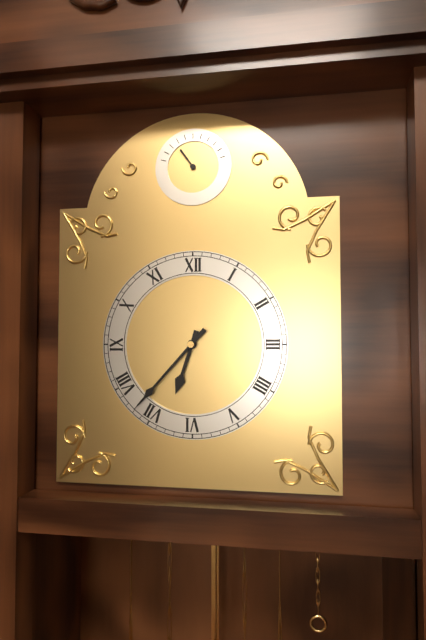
6:37
